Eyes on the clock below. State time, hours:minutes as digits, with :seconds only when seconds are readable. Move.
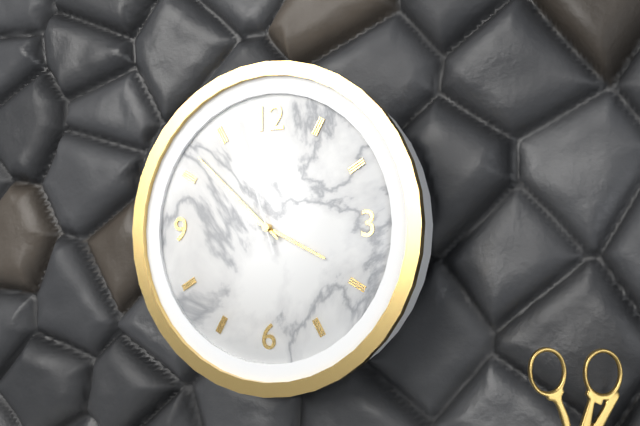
3:52:57
